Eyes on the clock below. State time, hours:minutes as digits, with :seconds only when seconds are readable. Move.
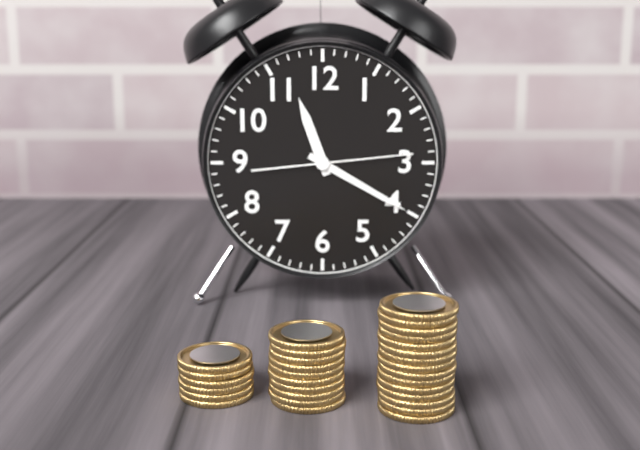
11:20:14
